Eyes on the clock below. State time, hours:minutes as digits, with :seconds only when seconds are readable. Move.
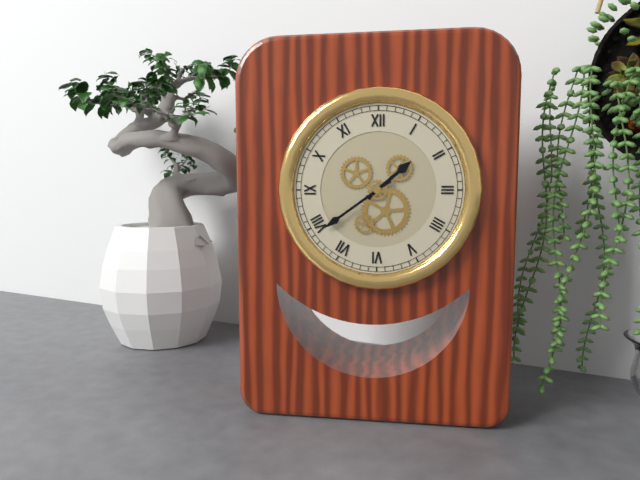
1:39
